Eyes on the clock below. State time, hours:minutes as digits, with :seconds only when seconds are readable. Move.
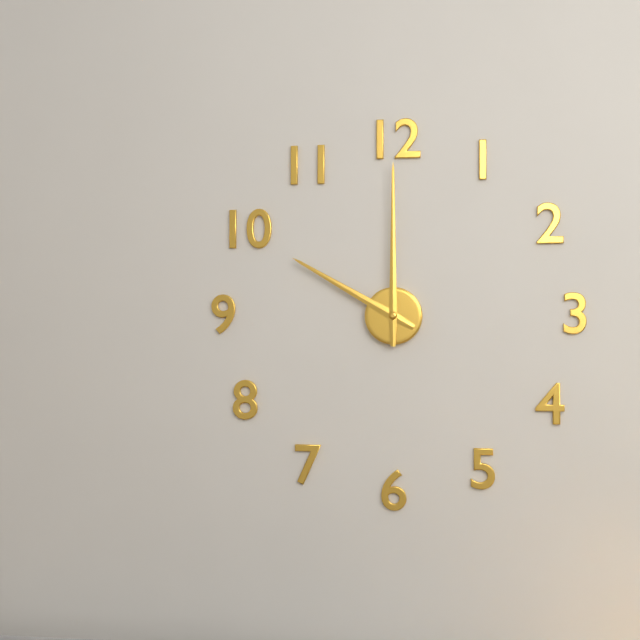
10:00
